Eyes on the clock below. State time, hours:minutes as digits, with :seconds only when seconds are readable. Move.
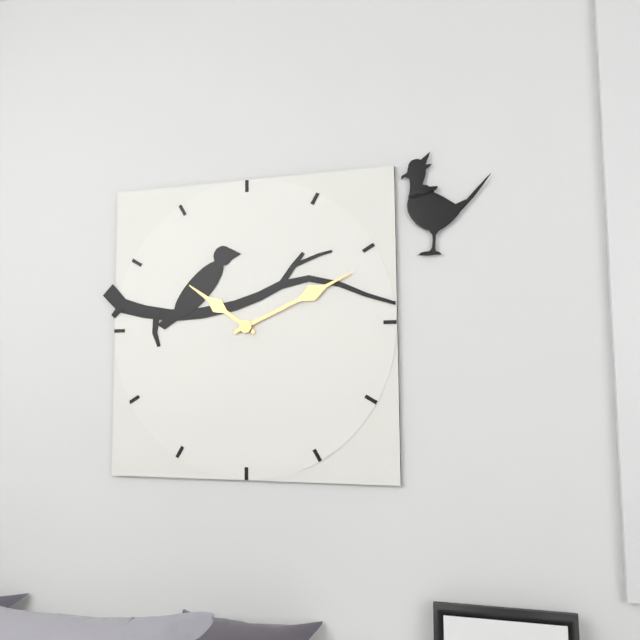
10:11
